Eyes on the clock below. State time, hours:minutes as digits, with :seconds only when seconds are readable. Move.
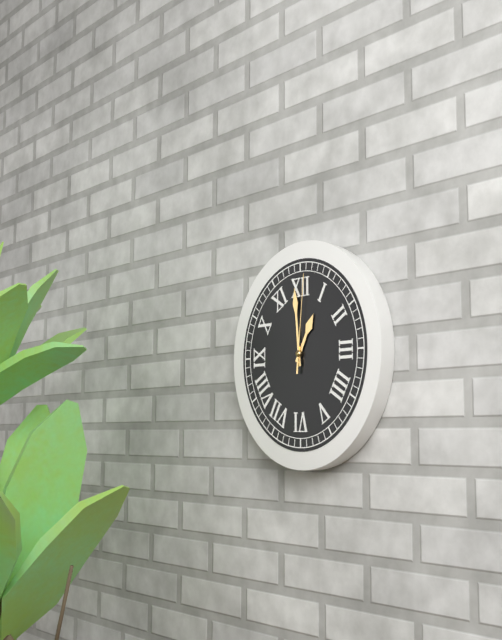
12:59:01
